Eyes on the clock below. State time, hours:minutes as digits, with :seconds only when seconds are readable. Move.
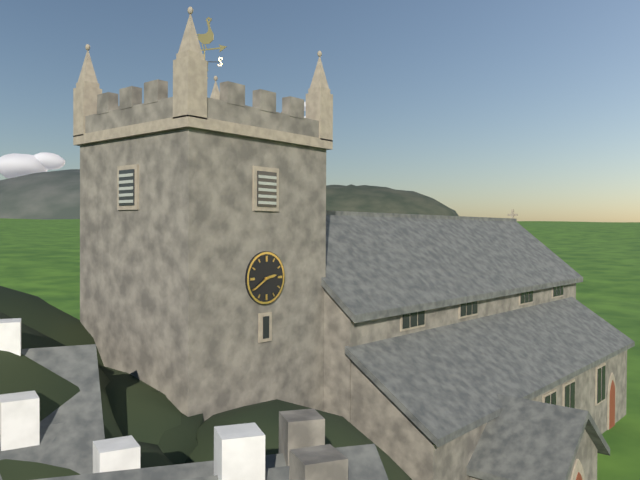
2:40
